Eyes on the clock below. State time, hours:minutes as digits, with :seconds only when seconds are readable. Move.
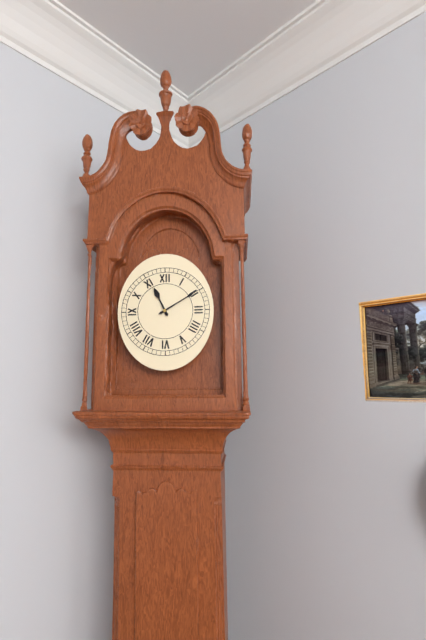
11:10
